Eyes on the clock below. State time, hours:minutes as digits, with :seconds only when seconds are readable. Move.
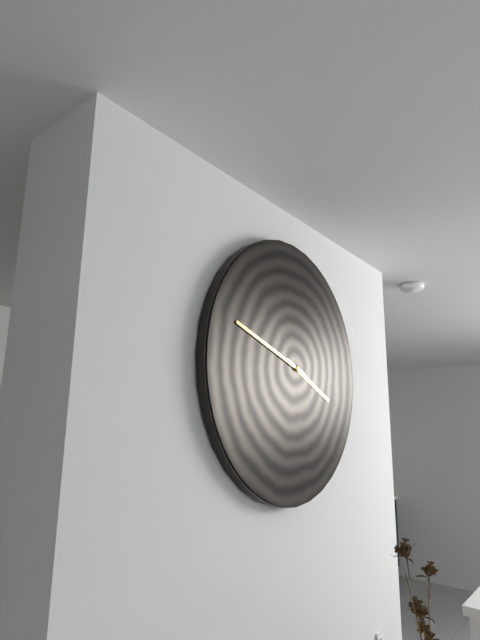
3:48
